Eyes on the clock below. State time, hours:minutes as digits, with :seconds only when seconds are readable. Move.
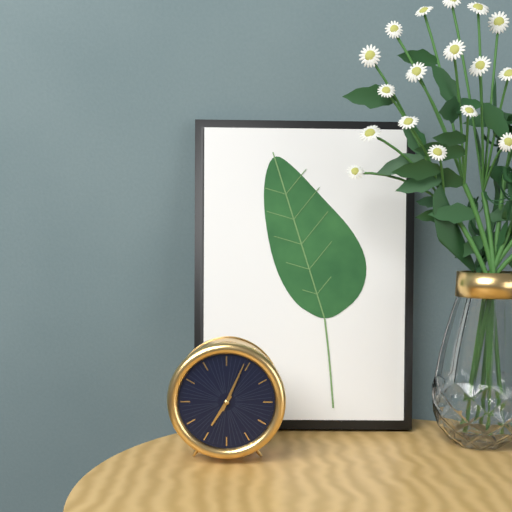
7:04
